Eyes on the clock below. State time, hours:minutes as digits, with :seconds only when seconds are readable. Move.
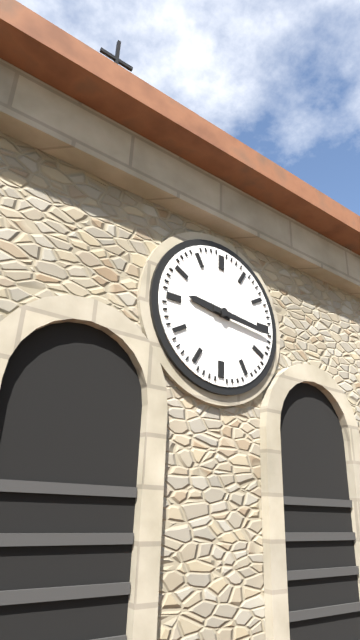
9:16
